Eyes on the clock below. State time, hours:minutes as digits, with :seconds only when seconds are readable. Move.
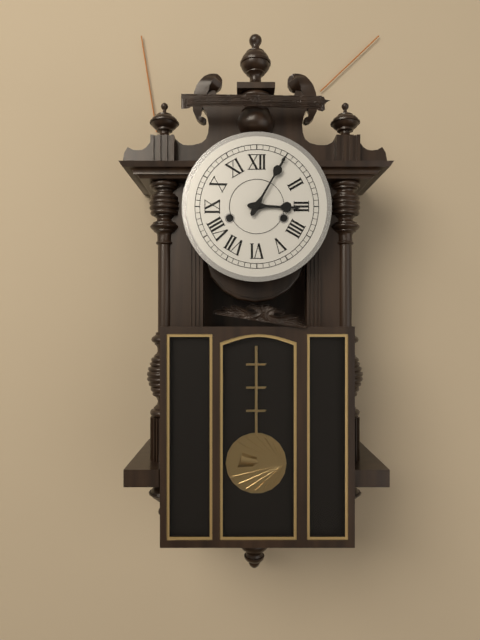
3:05
